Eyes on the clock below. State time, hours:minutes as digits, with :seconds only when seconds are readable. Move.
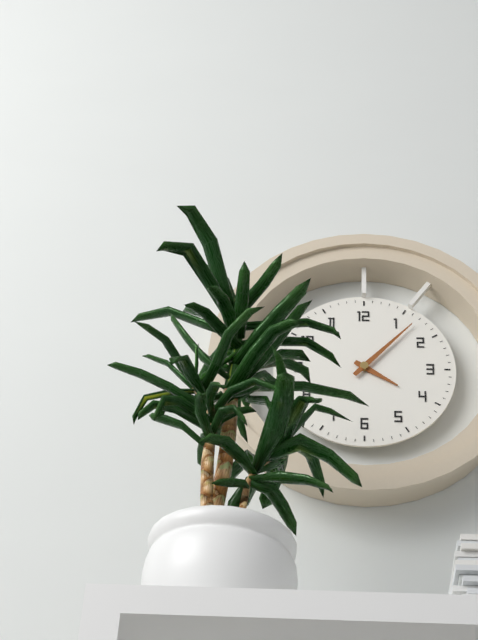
4:07
